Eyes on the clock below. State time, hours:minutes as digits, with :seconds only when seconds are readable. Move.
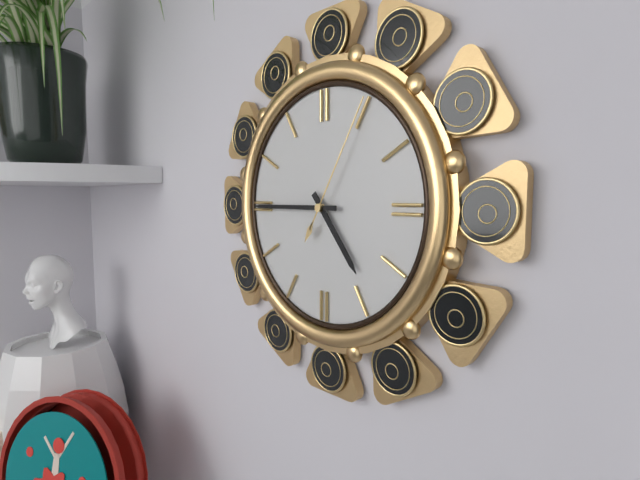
4:45:05
